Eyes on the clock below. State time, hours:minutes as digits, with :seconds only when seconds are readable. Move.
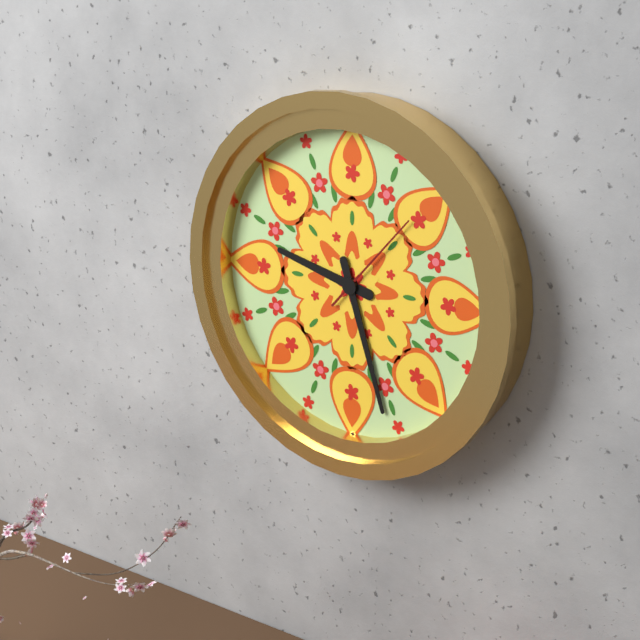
9:27:07
